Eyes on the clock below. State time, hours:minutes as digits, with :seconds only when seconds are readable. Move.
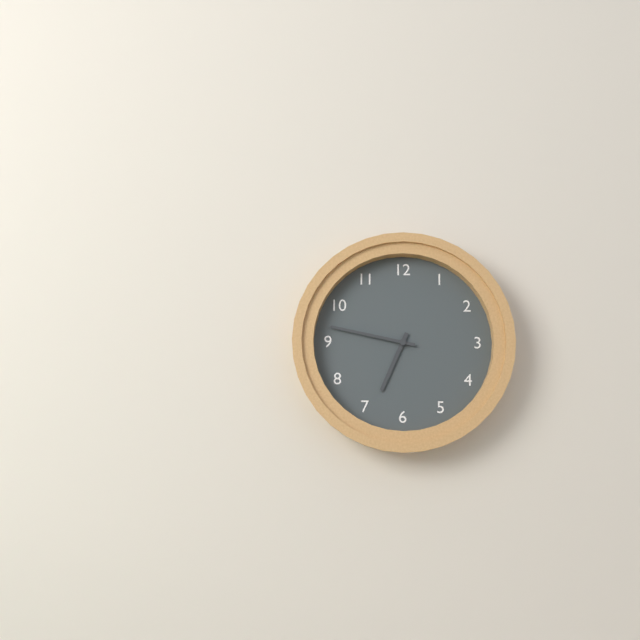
6:47
